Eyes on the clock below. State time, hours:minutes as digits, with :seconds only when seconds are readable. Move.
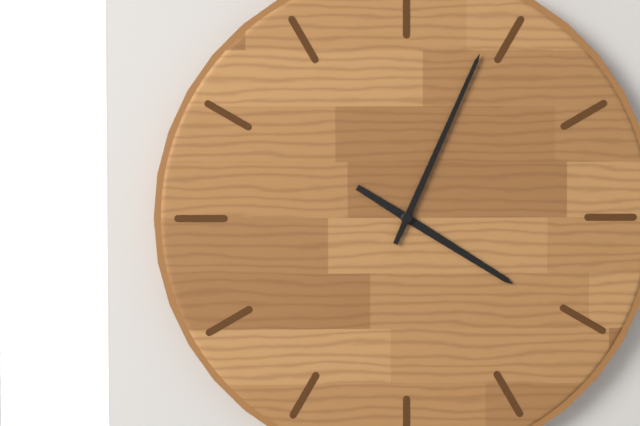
4:04
